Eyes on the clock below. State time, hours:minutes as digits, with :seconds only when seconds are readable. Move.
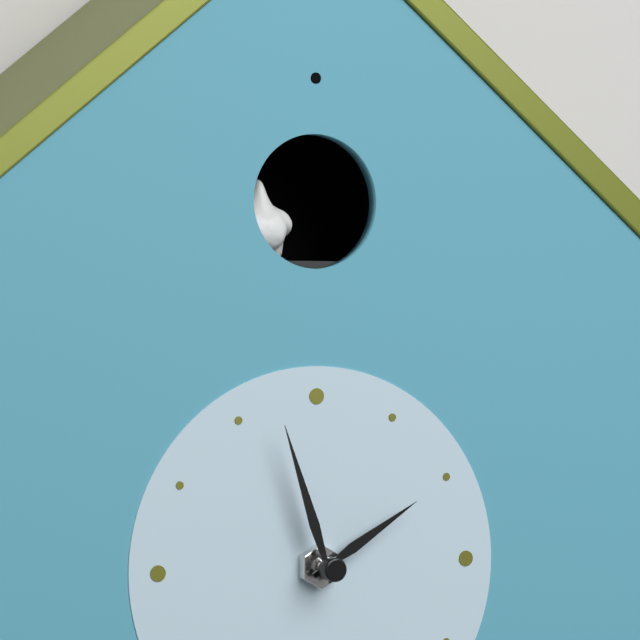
1:57
